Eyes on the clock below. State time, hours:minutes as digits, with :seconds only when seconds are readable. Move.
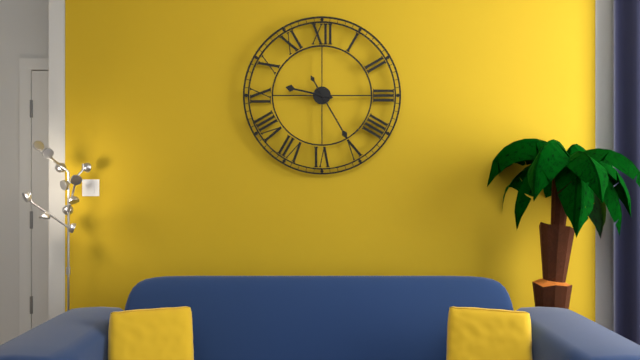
9:25
